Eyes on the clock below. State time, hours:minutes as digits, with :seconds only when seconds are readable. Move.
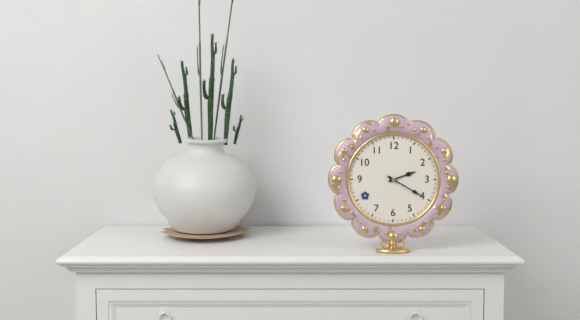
2:20
